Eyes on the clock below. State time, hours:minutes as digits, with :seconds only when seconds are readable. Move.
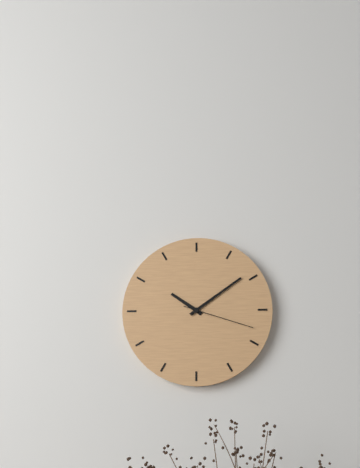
10:09:18
